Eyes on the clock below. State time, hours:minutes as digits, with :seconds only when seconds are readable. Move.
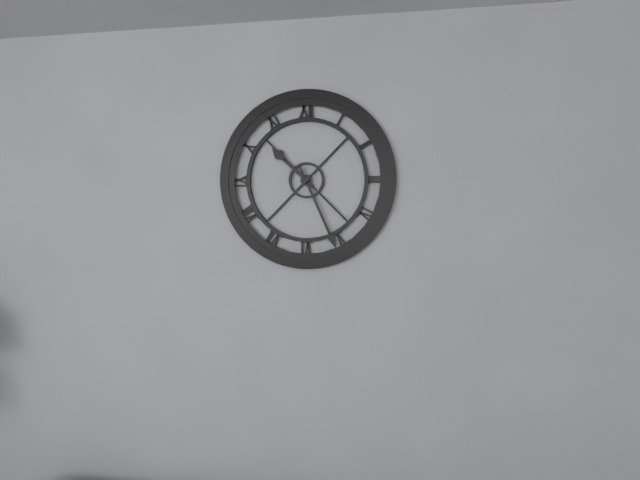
10:26
